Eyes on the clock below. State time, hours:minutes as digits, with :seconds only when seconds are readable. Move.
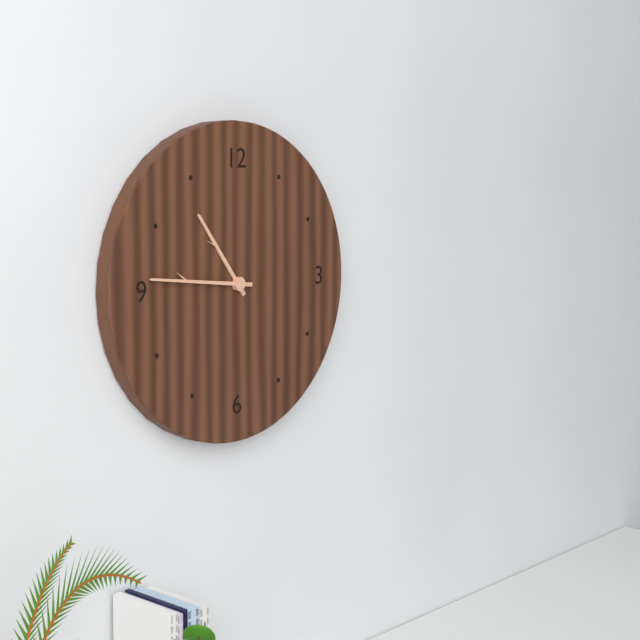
10:46
